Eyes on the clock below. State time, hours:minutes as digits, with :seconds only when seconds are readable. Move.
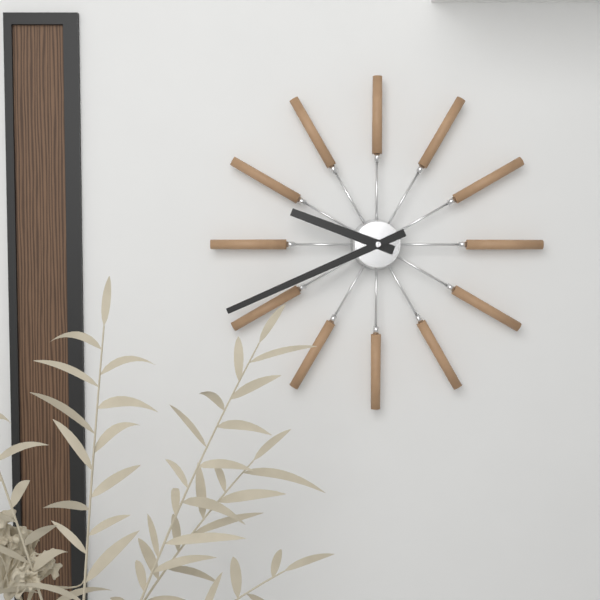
9:41
